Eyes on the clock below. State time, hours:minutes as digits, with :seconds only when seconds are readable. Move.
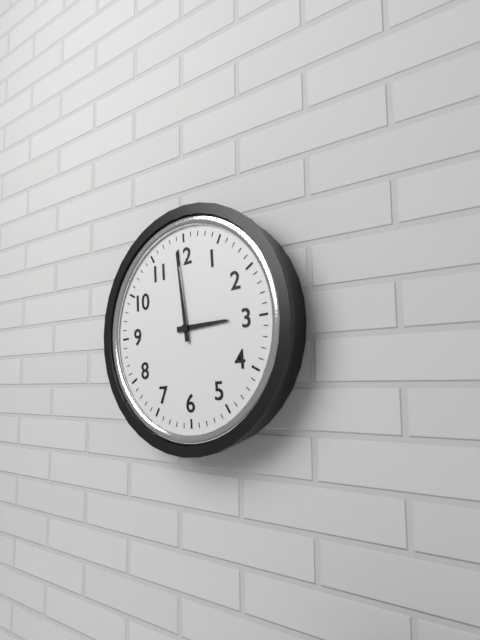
2:59
